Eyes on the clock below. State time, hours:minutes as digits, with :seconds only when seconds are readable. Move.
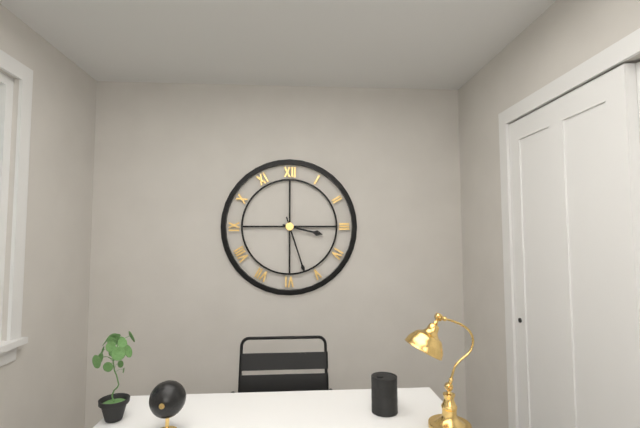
3:27
